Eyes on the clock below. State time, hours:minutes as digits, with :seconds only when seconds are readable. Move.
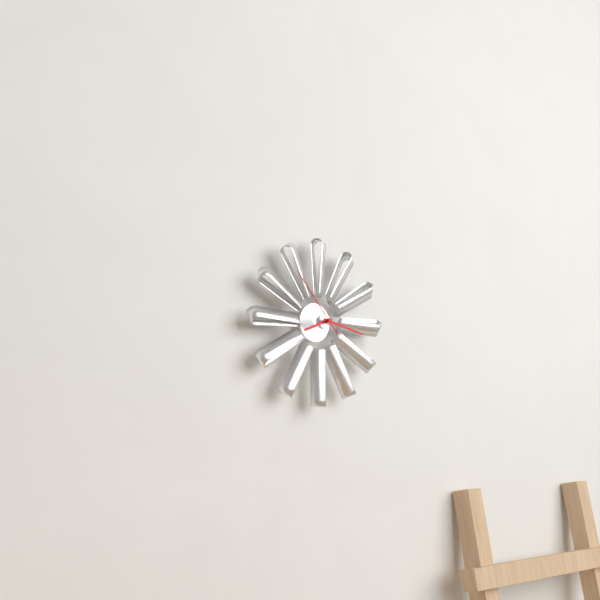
8:17:53
